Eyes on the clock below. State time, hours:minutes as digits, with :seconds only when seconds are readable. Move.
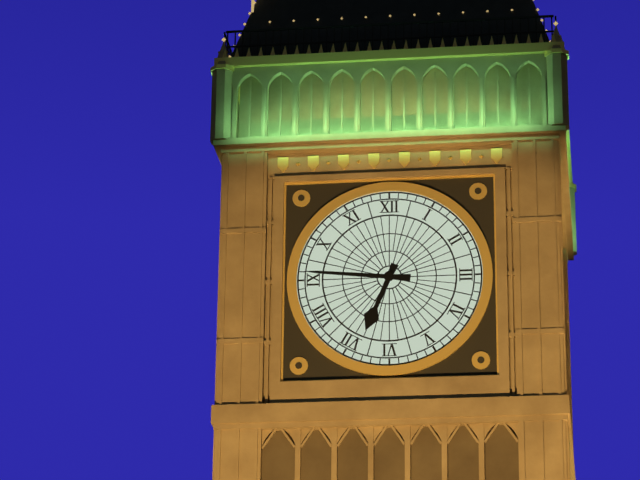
6:46
